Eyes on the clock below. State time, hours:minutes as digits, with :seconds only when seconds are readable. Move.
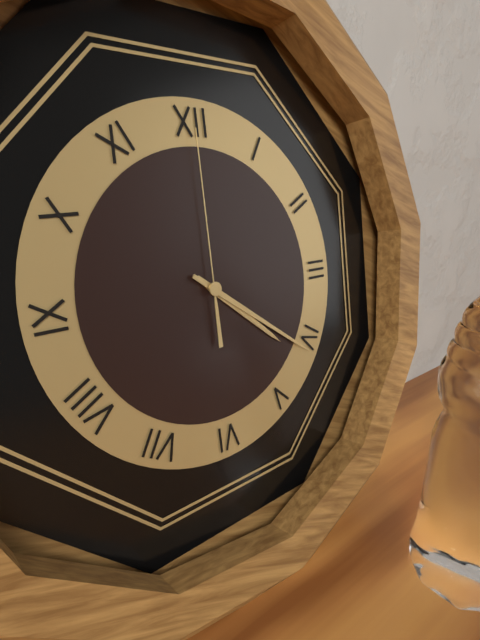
4:21:00
